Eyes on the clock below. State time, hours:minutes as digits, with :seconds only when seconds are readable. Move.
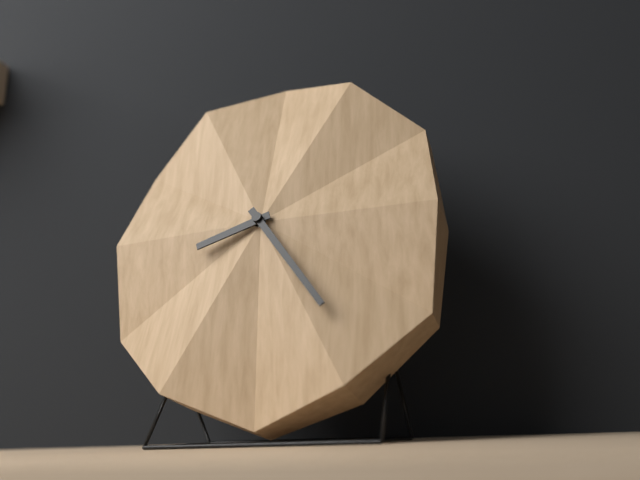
8:24
